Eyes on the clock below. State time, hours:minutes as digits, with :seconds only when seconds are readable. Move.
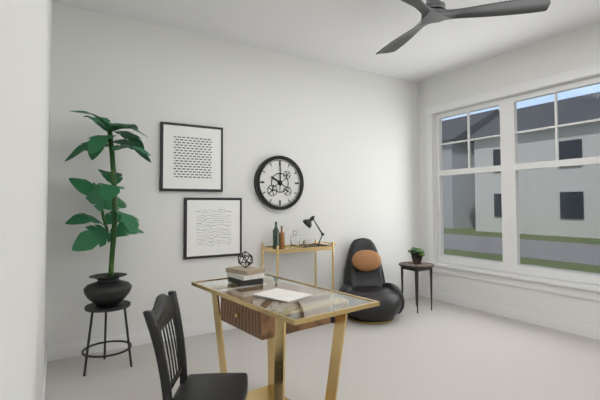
10:00
